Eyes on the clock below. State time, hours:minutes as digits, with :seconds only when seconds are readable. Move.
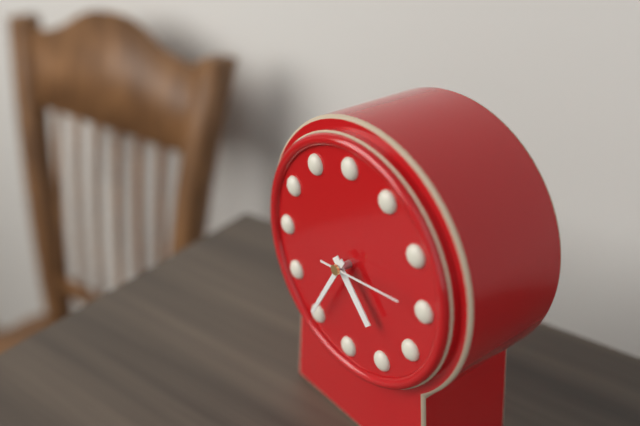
4:35:14
